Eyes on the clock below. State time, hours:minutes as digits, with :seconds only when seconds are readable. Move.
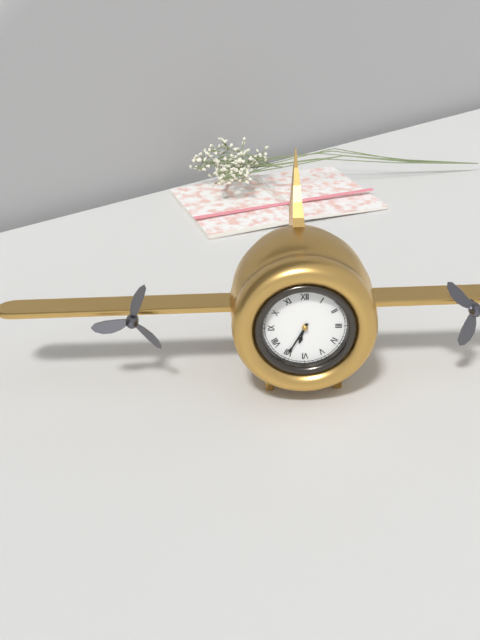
6:35
